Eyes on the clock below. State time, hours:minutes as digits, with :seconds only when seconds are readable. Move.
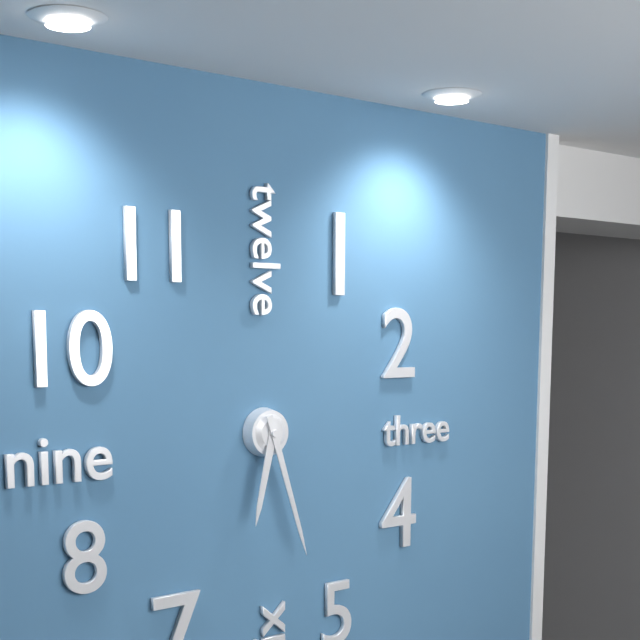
6:27
